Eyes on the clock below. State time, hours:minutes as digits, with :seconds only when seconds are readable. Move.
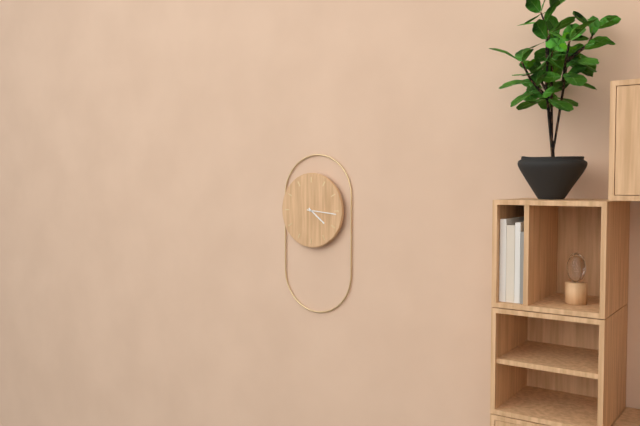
4:16
